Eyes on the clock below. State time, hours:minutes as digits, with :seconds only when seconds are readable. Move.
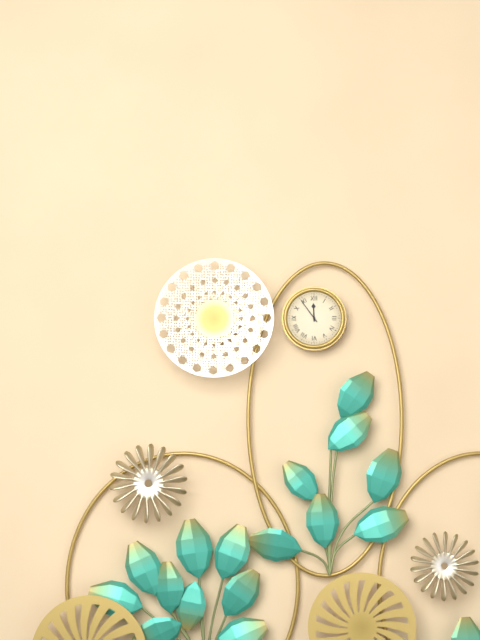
11:54
